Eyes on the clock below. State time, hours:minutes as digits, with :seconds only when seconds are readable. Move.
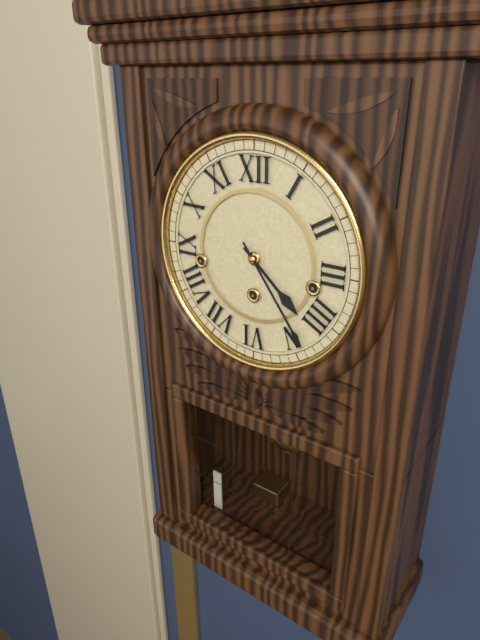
4:24
